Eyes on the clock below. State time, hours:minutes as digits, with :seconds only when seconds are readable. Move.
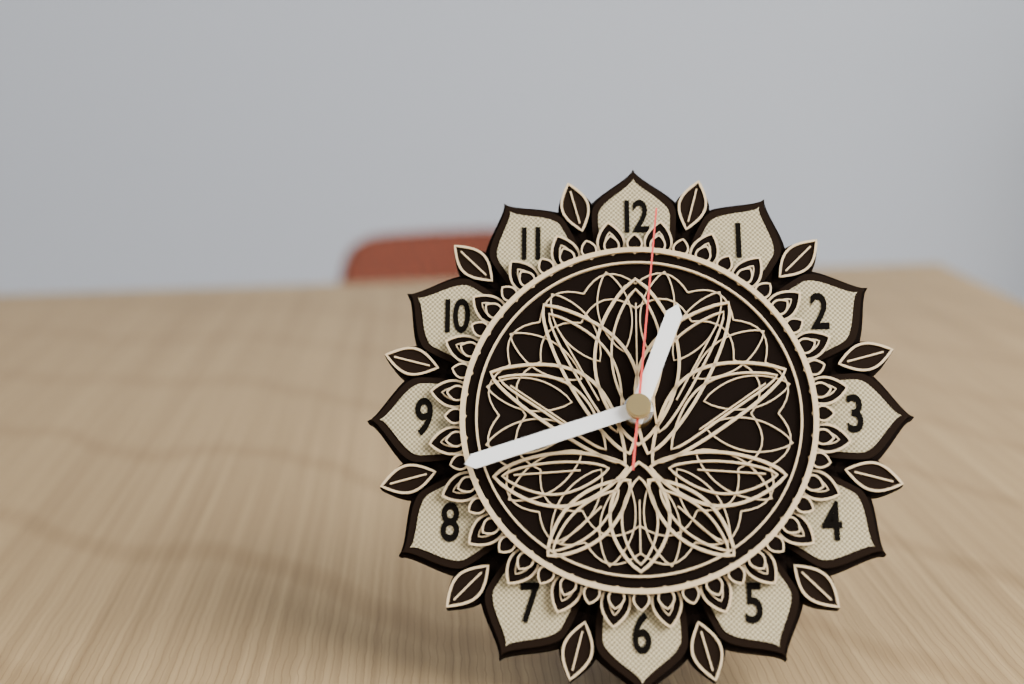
12:42:01
